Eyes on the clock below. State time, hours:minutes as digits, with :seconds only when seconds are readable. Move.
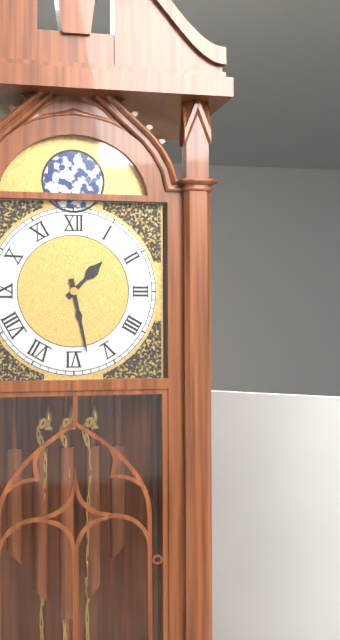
1:28
